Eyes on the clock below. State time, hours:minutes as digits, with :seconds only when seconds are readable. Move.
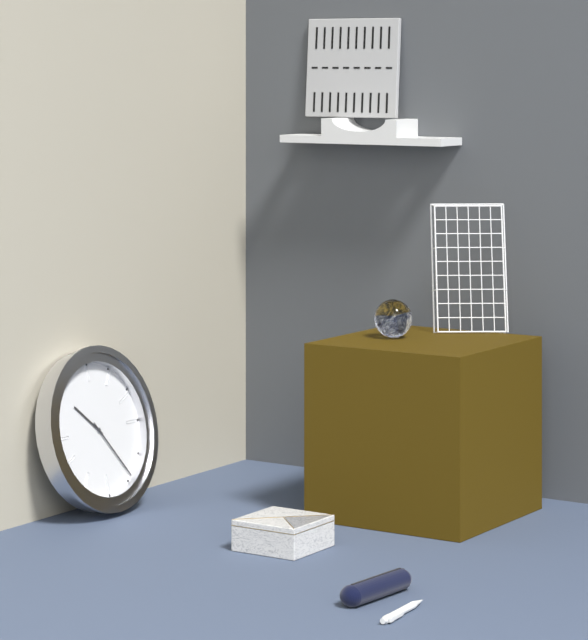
10:24
